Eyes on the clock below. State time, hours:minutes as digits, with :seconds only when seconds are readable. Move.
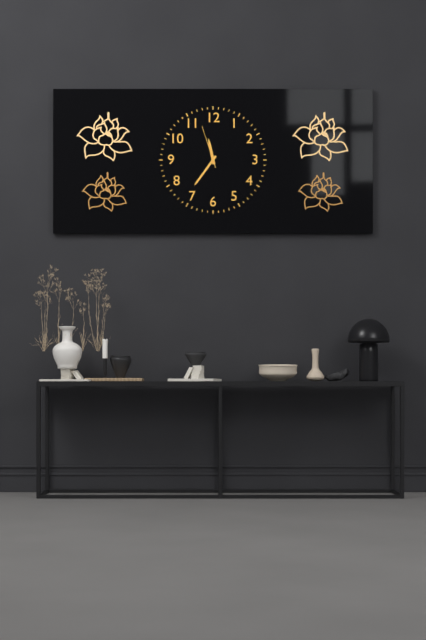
11:36
